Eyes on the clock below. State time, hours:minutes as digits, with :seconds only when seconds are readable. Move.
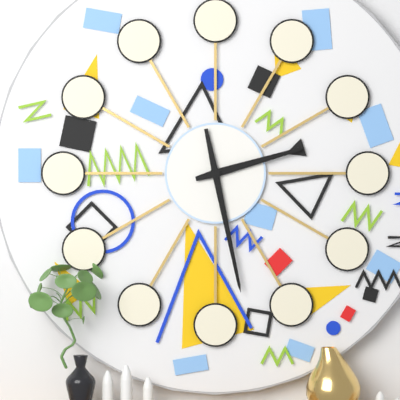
2:28
